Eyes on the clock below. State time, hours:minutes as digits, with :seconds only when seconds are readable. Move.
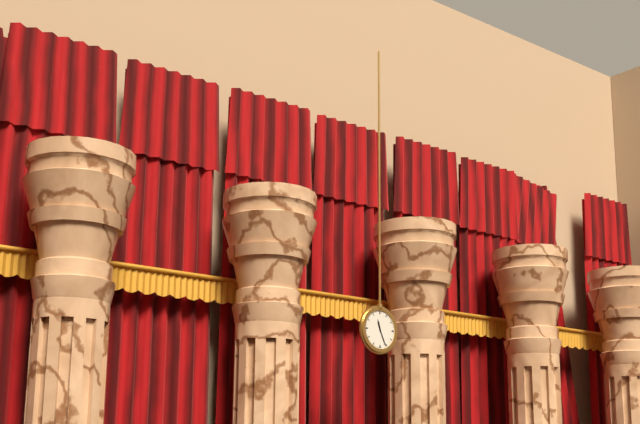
11:26
